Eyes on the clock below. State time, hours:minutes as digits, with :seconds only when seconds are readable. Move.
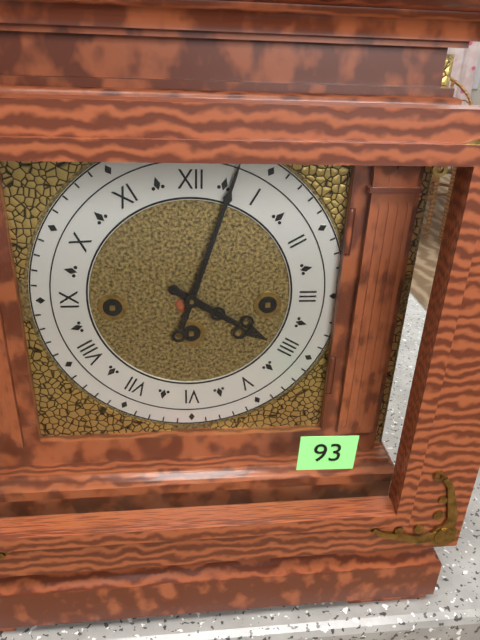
4:03
